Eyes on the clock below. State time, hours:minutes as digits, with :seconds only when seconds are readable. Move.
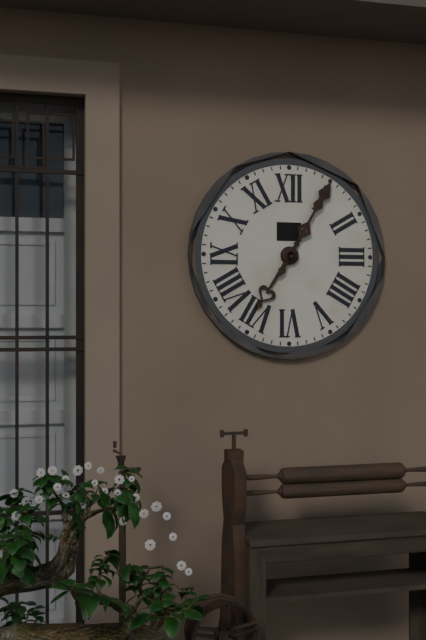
7:05
